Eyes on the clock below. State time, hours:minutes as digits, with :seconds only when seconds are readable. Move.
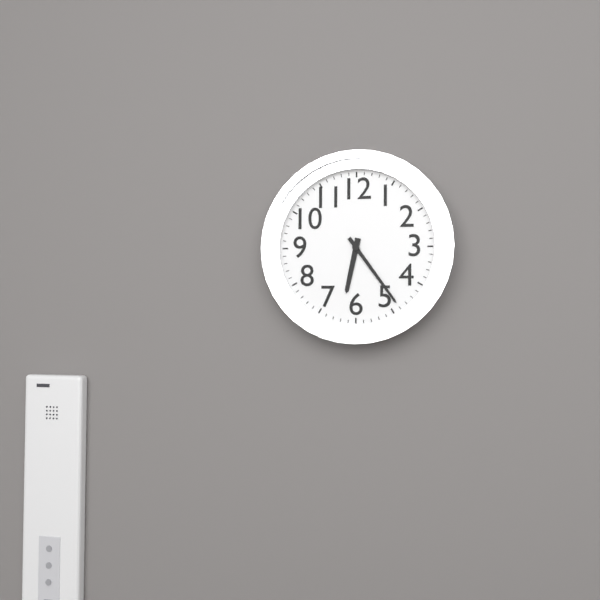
6:24
